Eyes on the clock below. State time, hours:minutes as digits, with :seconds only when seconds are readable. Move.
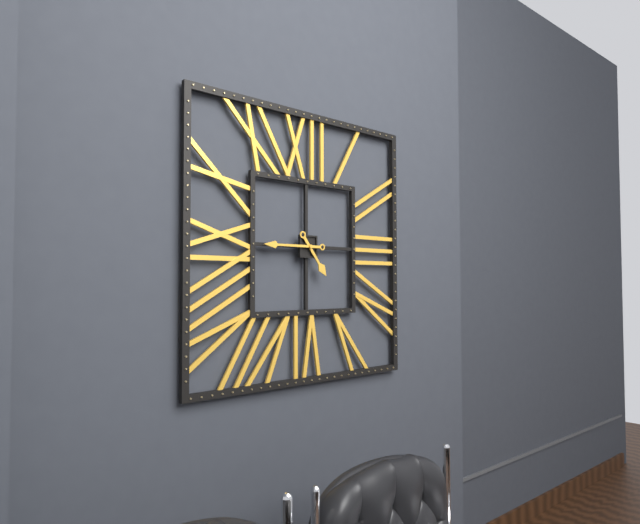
4:45
